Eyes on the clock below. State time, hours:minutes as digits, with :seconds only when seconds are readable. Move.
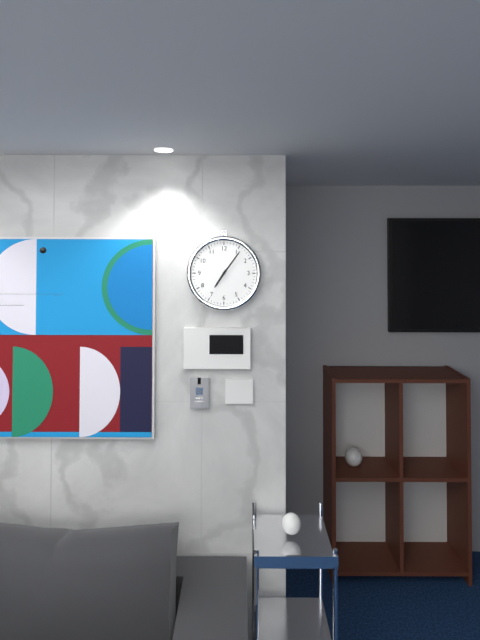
7:06
